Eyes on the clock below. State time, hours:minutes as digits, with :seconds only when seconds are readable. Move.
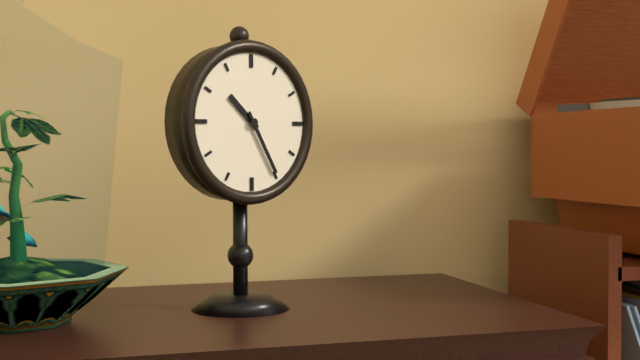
10:25
